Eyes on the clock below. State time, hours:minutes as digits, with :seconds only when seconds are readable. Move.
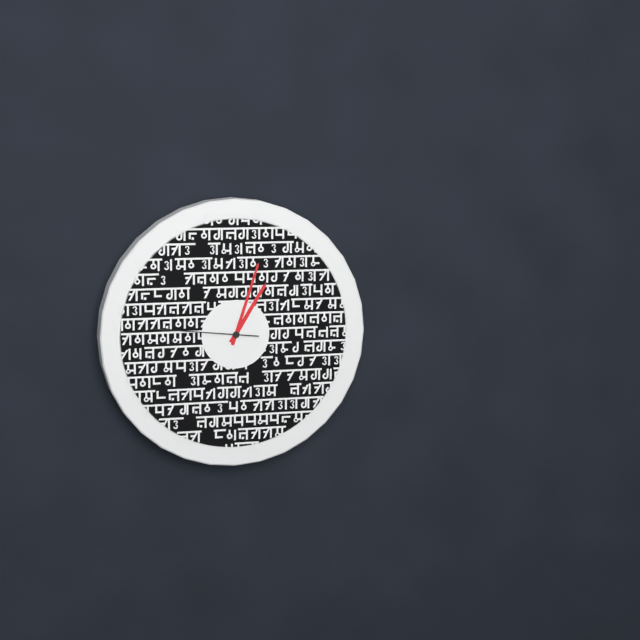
1:03:46
